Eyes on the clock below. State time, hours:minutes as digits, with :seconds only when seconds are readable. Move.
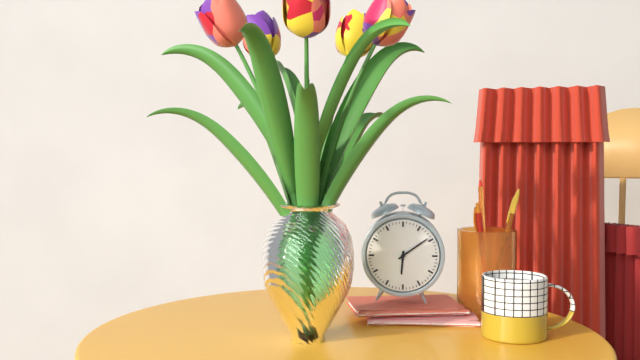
6:09
